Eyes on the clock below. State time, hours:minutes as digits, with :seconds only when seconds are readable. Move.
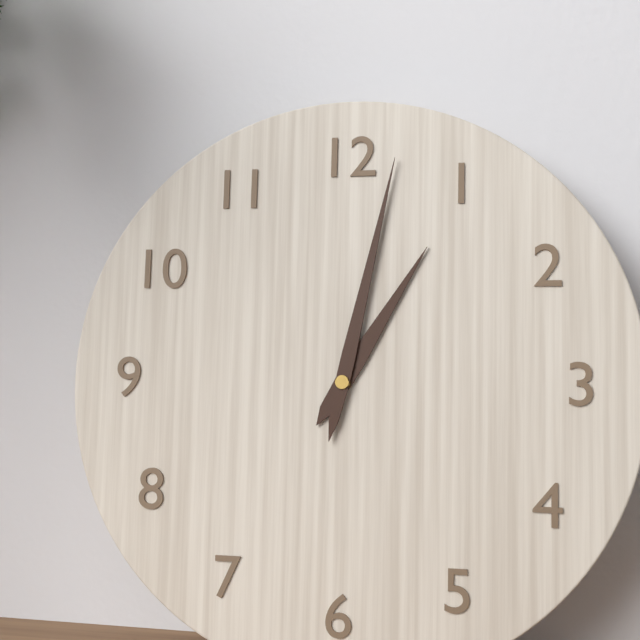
1:02
